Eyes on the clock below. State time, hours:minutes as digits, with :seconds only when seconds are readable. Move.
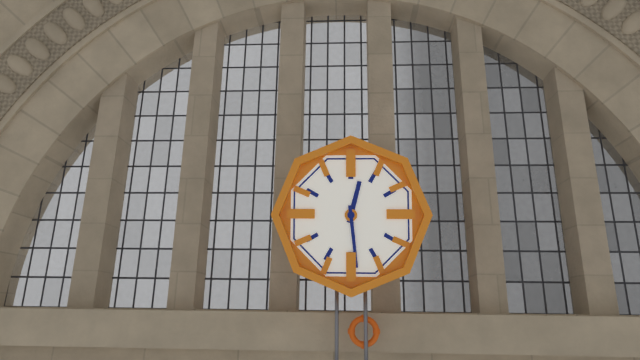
12:29
